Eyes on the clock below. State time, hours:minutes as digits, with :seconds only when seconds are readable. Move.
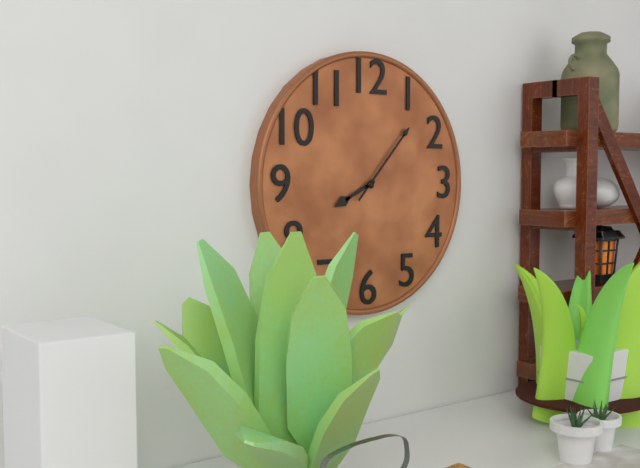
8:07
